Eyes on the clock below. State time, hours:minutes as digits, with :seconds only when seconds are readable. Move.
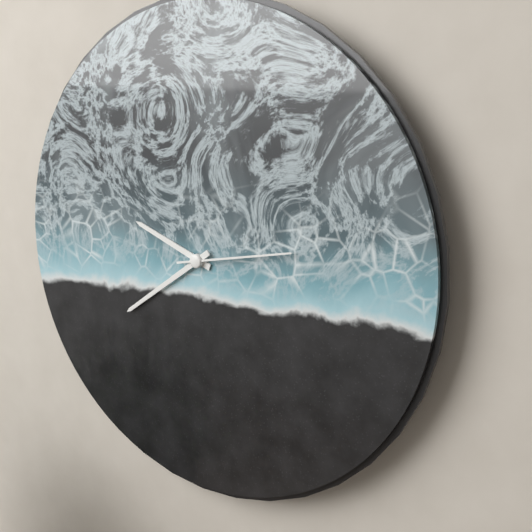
9:39:13
